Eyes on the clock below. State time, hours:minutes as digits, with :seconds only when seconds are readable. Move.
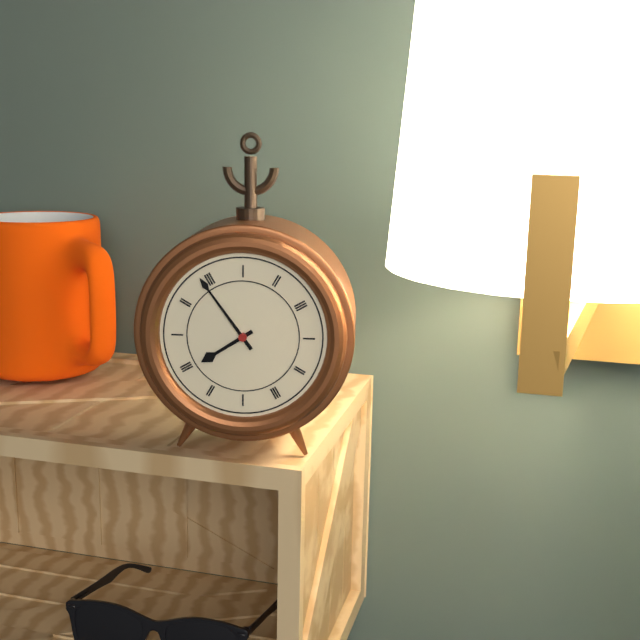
7:54
